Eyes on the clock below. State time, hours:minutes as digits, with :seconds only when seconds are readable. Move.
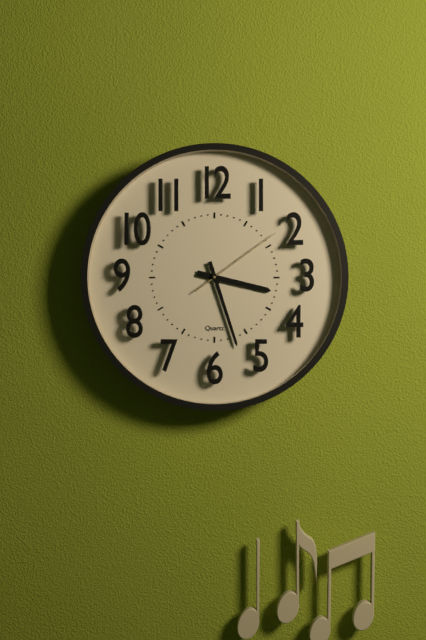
3:27:09
